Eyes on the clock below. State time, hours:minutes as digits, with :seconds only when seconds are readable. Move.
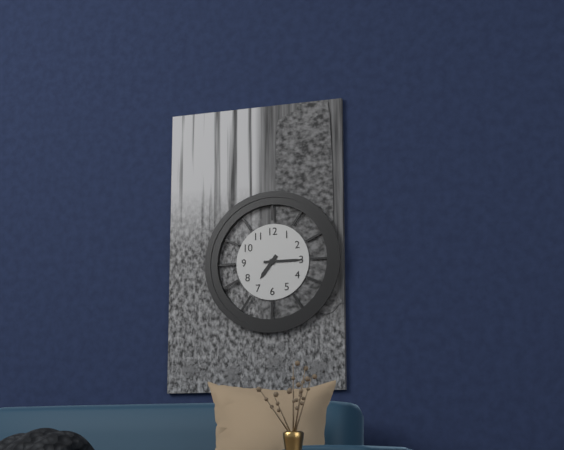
7:15
